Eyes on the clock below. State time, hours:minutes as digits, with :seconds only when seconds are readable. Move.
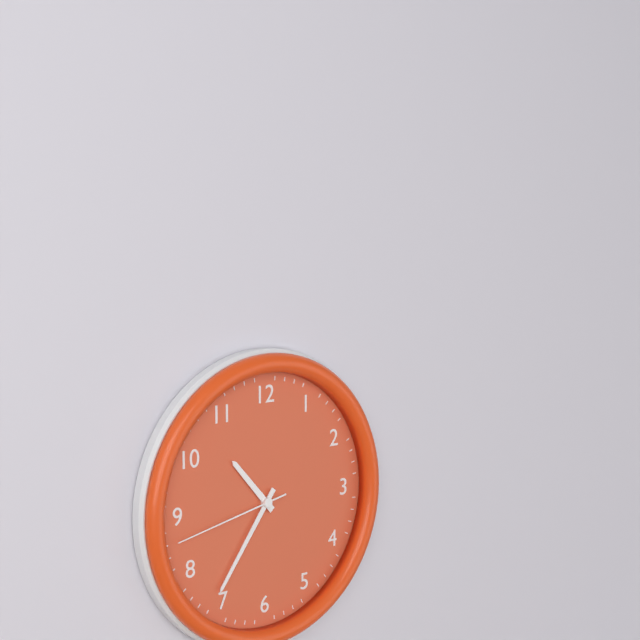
10:36:43
